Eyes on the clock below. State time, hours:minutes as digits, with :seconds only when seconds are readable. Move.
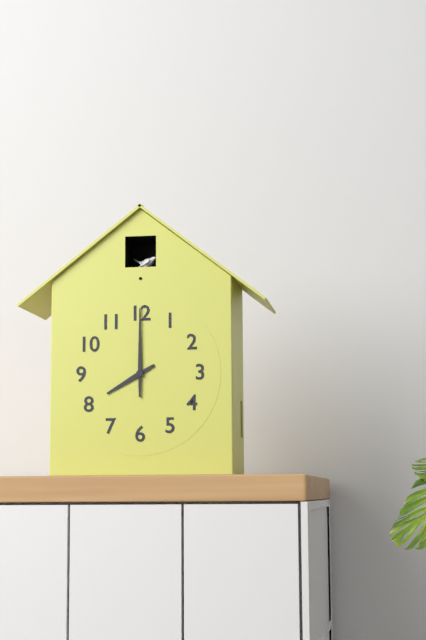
8:00
